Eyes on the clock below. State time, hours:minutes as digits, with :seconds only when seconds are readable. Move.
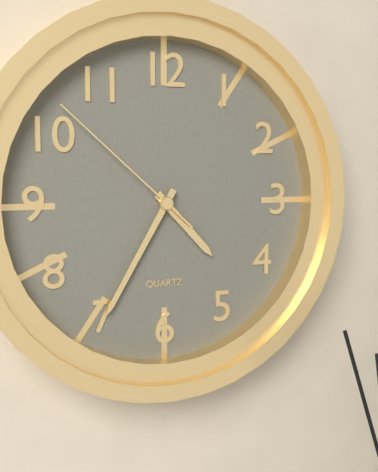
4:35:52
